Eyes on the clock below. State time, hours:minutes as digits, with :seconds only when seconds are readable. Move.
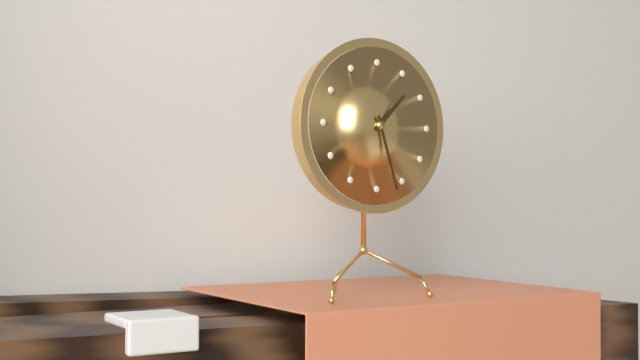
1:27
